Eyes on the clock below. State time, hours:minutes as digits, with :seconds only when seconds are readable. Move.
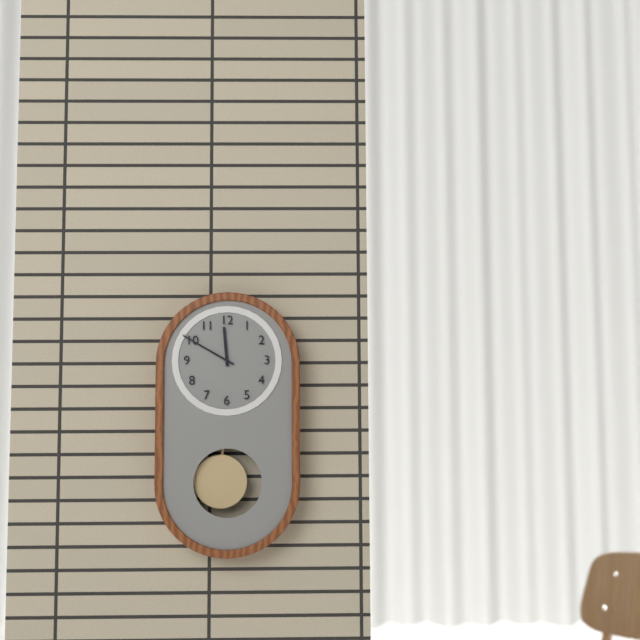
11:50
